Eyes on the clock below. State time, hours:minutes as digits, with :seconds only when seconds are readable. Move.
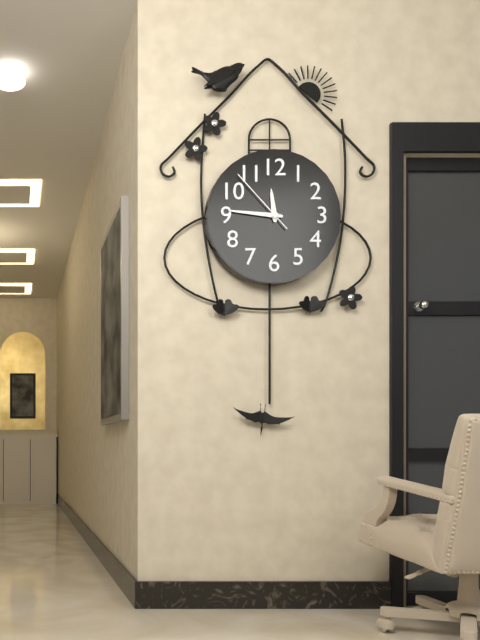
11:46:53
